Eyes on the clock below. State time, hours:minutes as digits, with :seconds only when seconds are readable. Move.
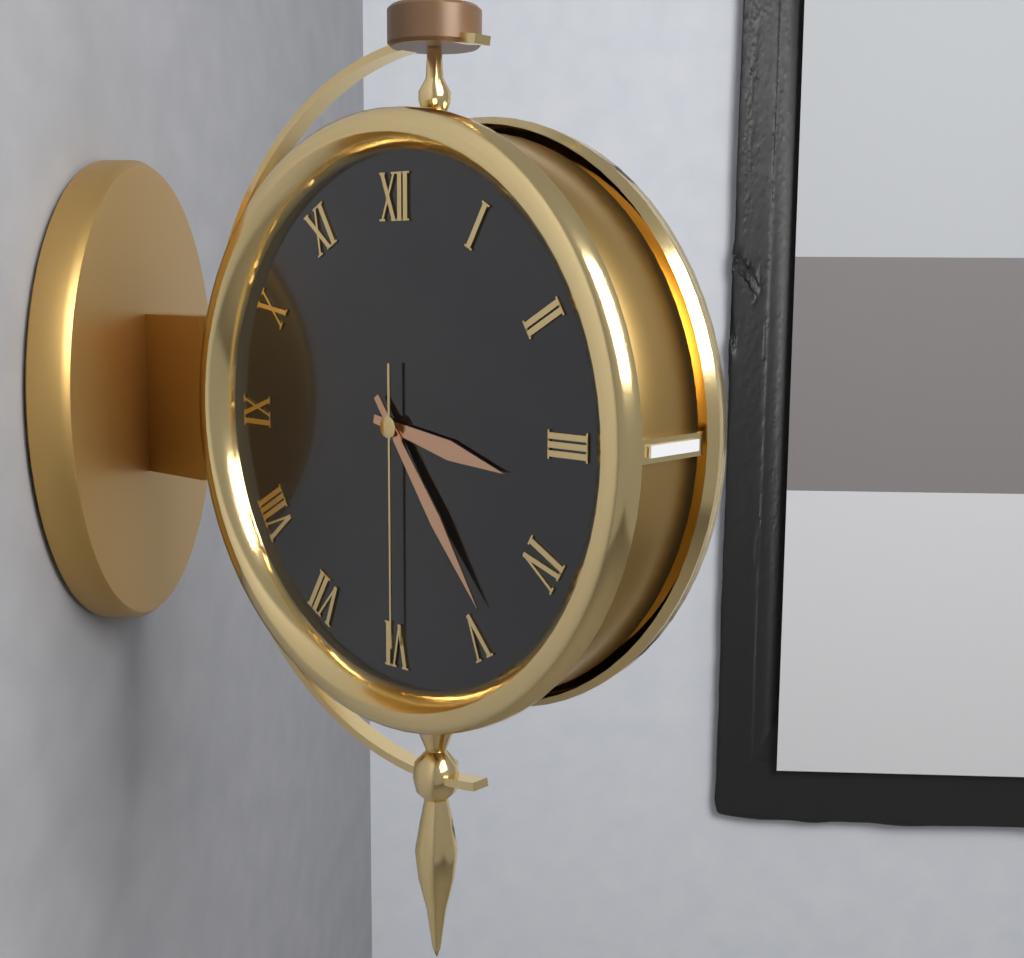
3:24:30
